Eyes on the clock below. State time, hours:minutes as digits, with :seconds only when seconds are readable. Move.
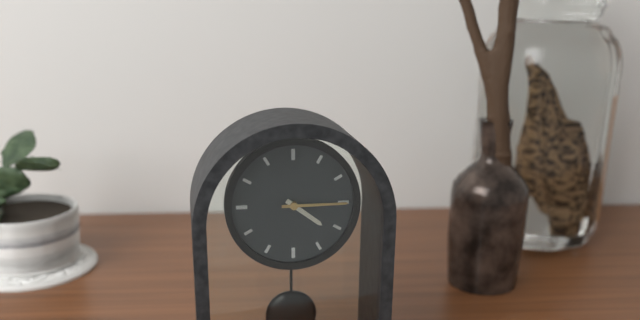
4:15
